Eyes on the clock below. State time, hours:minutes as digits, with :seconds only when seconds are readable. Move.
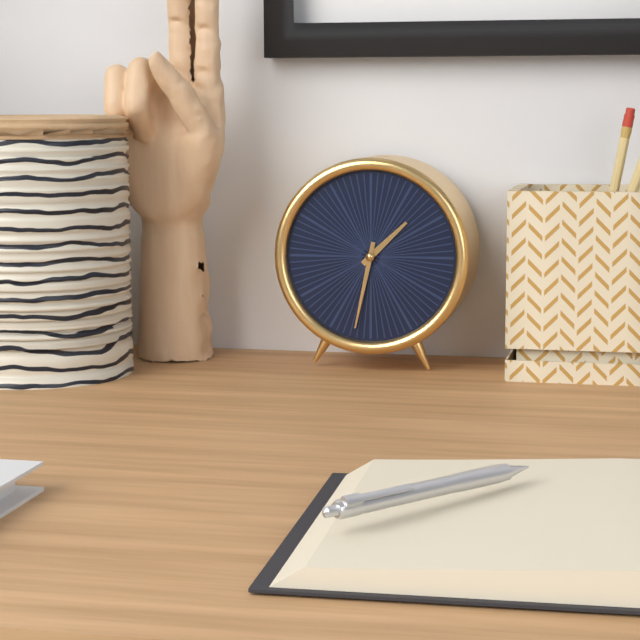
1:32
